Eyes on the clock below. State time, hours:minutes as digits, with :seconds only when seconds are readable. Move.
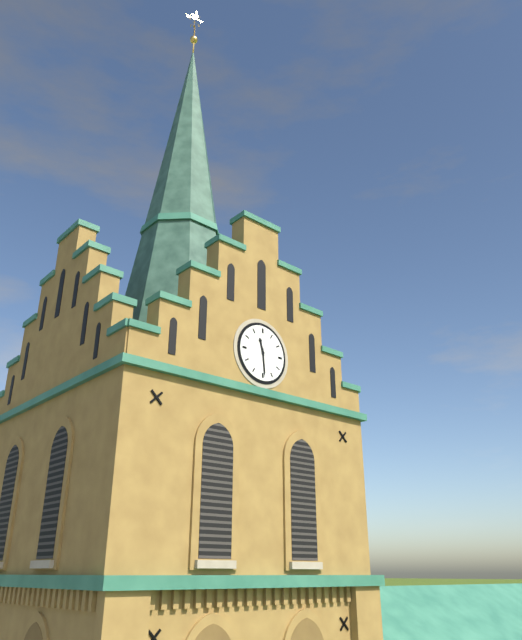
11:29
